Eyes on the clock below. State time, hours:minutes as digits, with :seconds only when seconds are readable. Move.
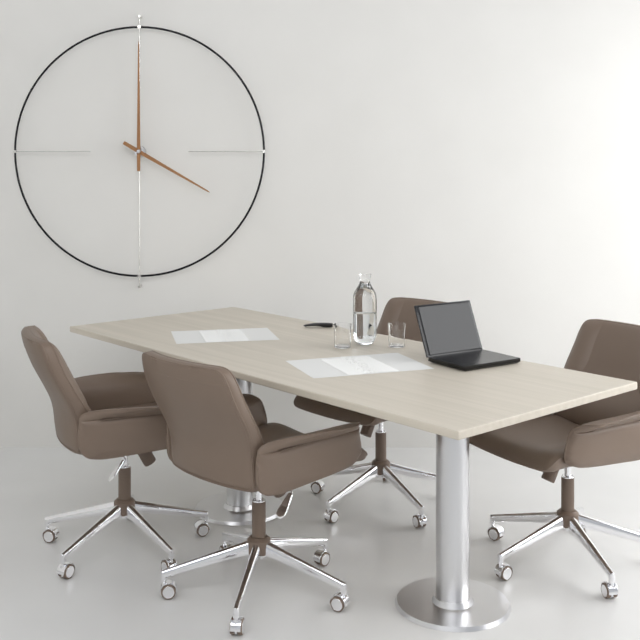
4:00
